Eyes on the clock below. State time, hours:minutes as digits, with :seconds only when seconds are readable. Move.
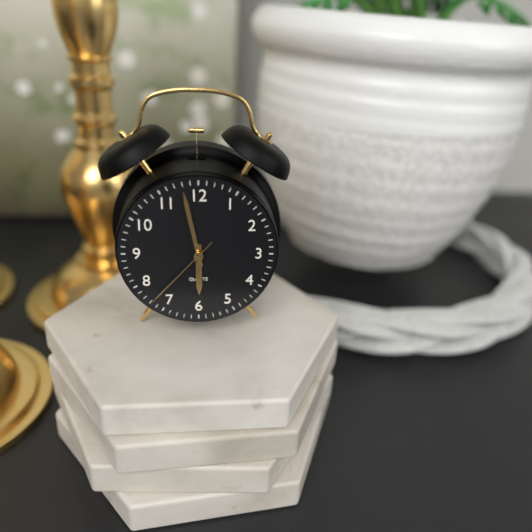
5:58:37
